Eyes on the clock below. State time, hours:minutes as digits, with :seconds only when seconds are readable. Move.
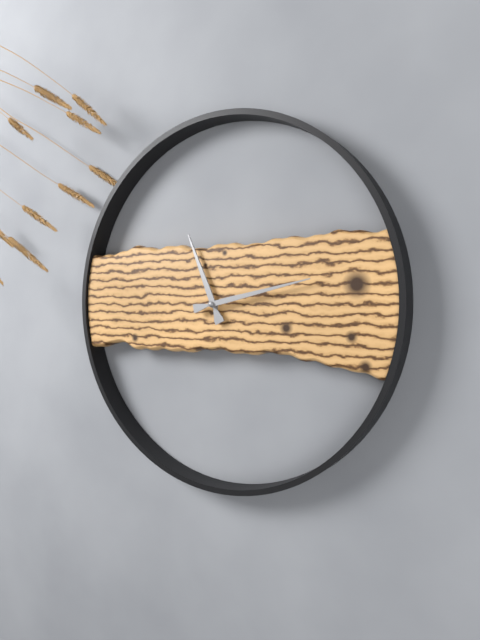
11:13
